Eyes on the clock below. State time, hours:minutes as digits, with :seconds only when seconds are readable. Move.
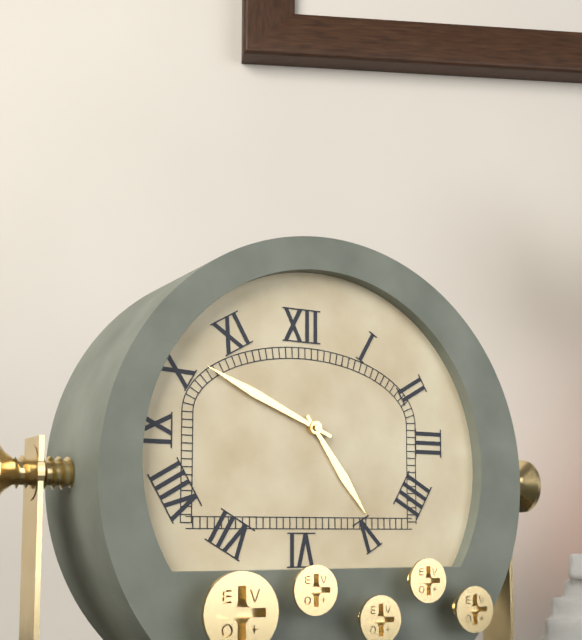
4:49
